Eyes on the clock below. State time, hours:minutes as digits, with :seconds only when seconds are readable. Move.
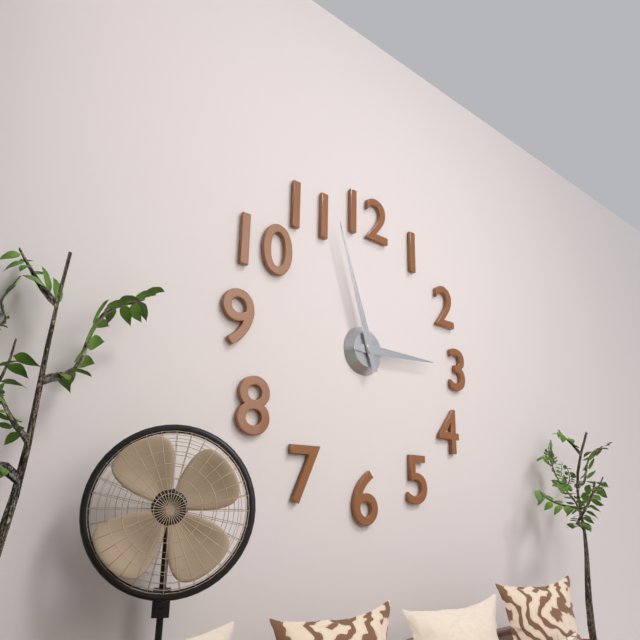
2:57
